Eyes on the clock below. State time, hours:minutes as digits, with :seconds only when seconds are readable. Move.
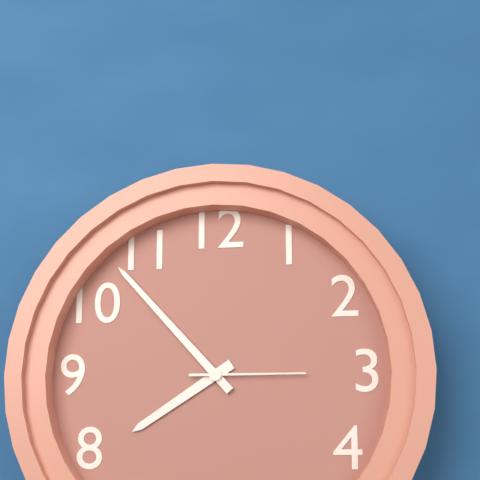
7:53:15
